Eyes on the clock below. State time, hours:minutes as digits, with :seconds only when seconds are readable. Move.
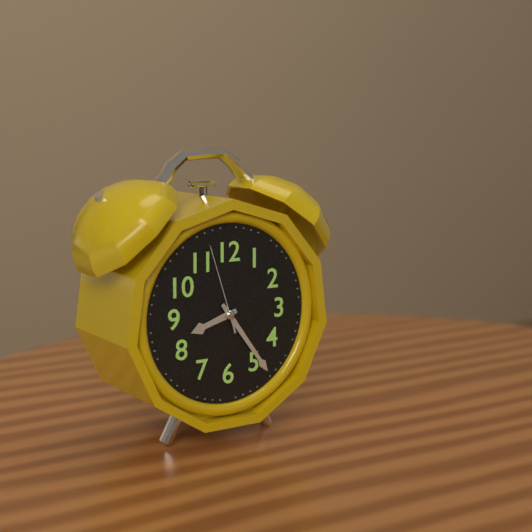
8:24:57
